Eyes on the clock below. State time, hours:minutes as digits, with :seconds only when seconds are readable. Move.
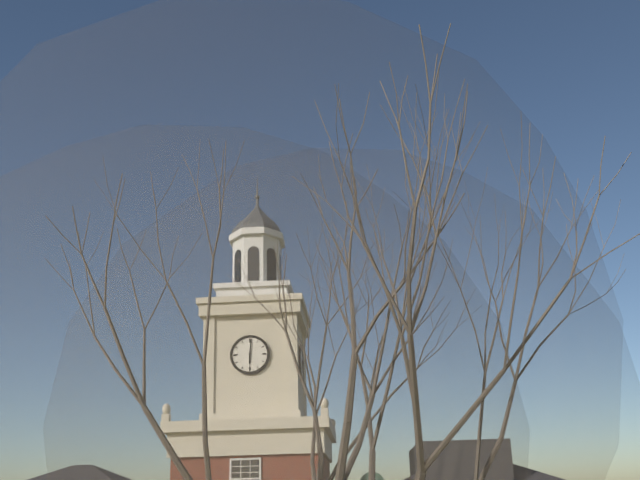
6:01
